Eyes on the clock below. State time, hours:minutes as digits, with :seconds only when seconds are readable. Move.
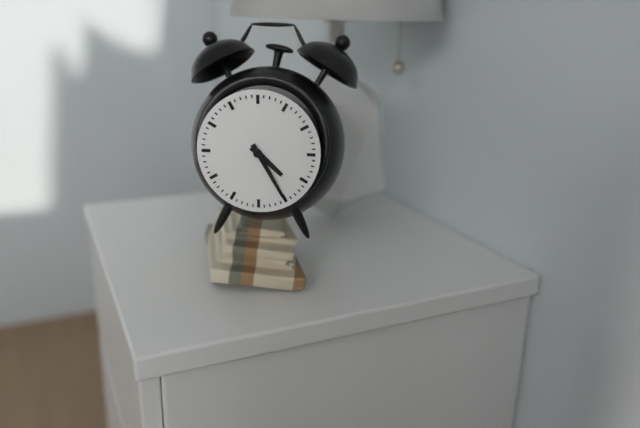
4:25
